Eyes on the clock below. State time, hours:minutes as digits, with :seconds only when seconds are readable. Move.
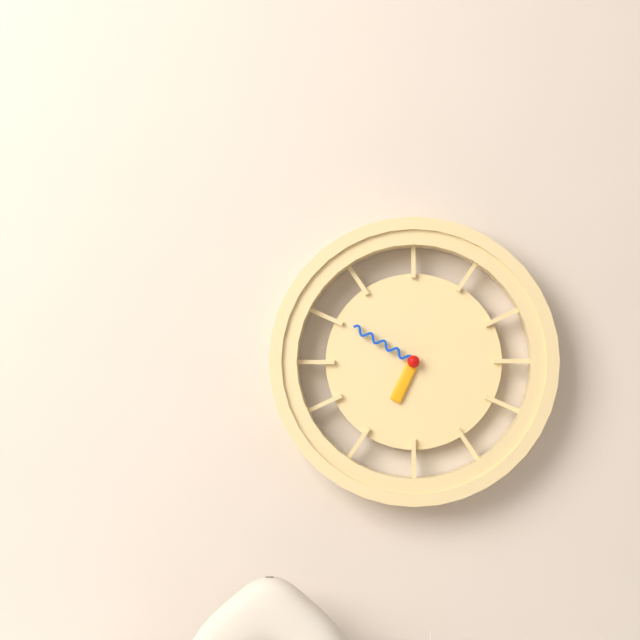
6:50
